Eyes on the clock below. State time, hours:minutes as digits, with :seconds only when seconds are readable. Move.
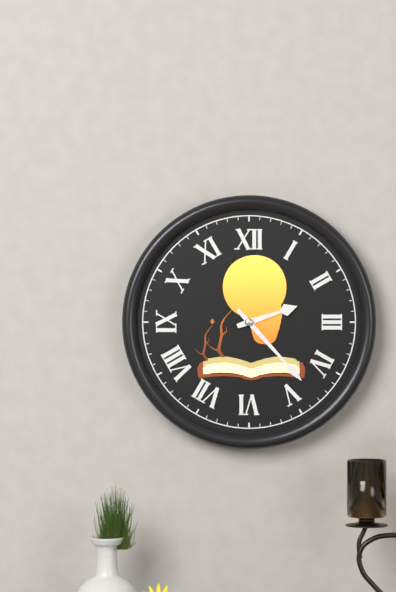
2:23
